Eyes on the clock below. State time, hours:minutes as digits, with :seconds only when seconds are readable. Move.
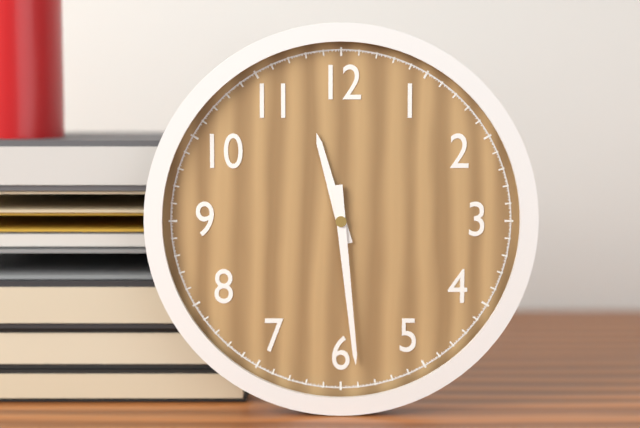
11:29
